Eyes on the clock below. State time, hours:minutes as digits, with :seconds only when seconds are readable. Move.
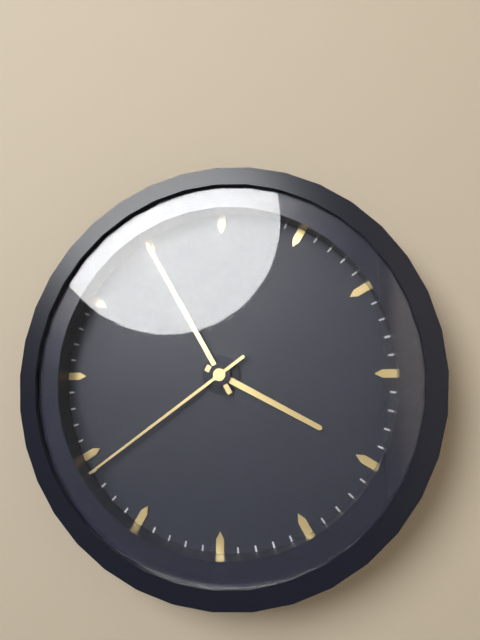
3:55:39
